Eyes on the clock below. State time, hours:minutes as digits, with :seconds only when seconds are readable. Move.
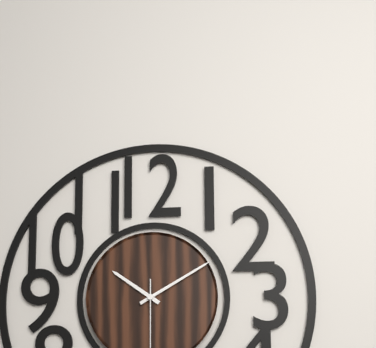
10:10
